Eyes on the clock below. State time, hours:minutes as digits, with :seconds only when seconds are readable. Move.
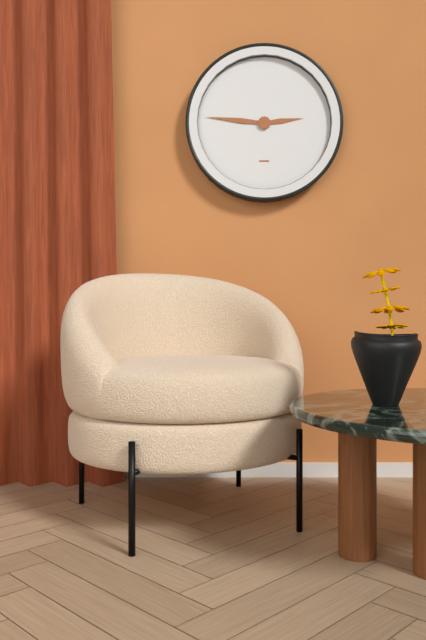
2:46
